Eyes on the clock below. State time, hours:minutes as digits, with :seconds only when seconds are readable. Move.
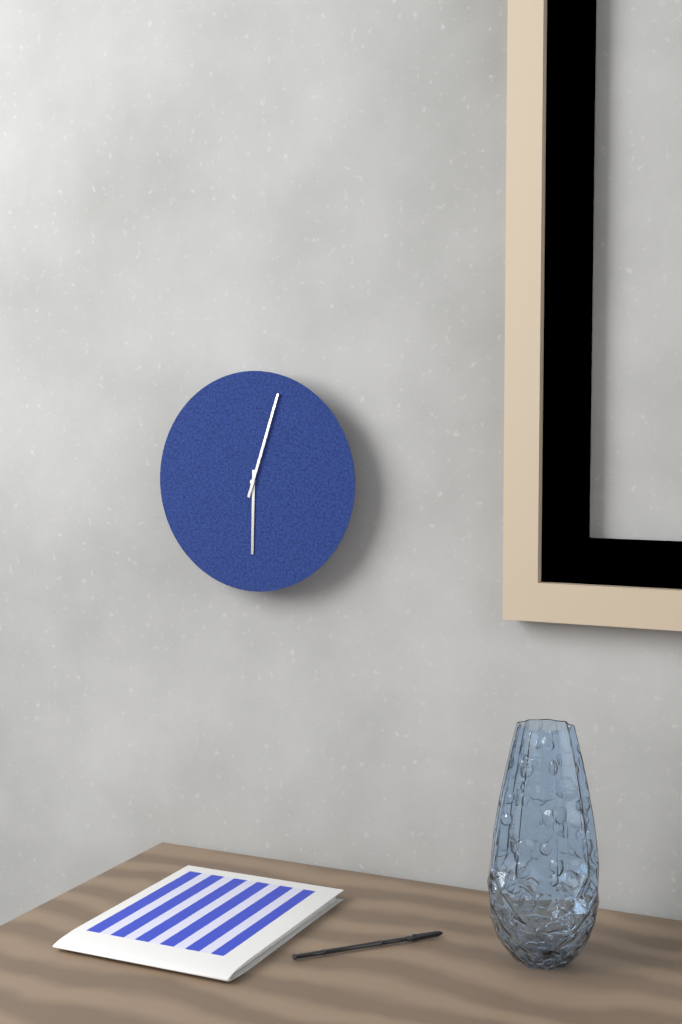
6:03
